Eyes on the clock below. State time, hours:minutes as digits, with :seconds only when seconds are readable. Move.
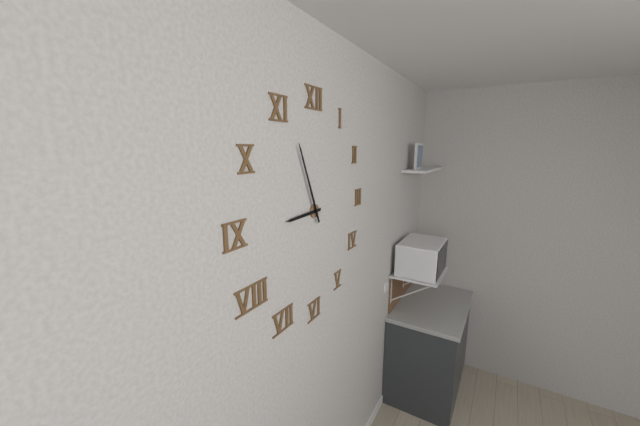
8:56
